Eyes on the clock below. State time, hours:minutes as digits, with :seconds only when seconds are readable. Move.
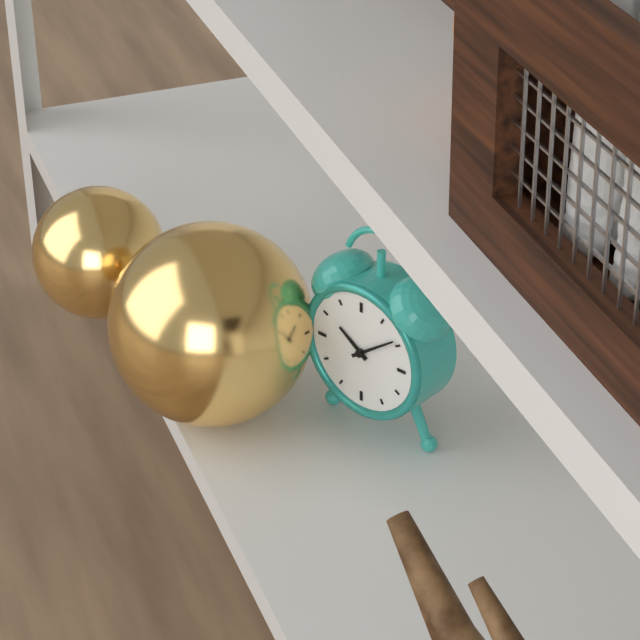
10:09
